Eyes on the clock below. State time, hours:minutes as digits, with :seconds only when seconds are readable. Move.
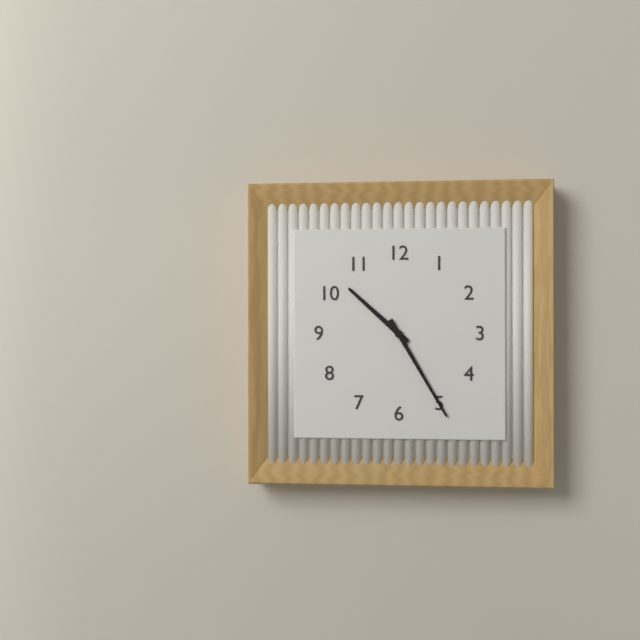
10:25
